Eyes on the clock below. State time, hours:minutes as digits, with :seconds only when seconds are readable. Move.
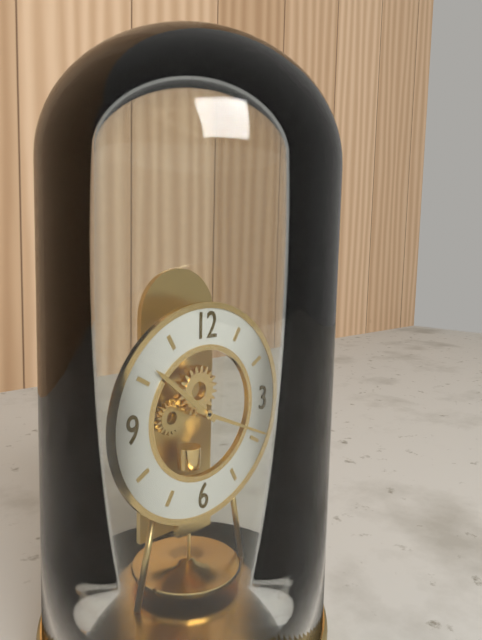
10:19
